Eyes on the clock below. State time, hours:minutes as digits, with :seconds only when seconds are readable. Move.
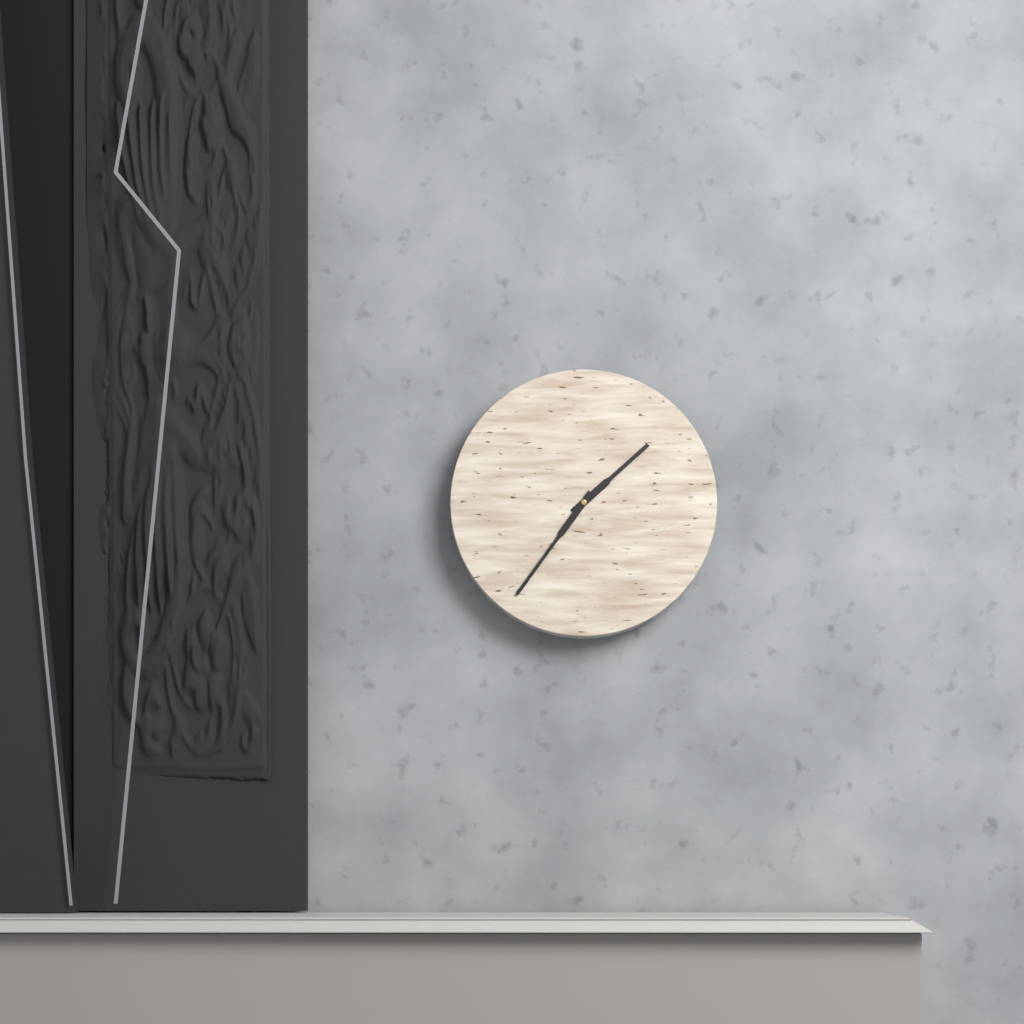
1:36
